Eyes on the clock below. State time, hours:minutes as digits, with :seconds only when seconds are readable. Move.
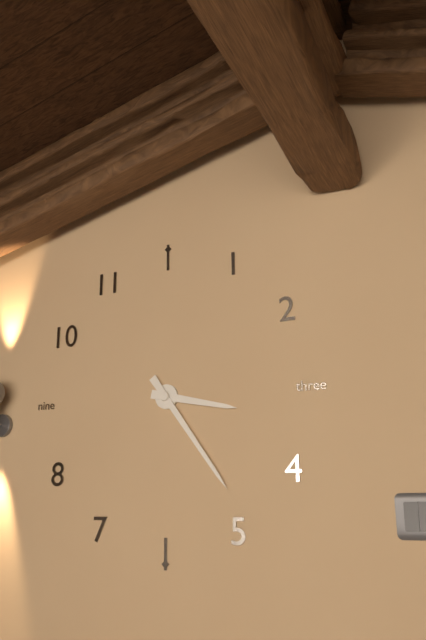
3:24
